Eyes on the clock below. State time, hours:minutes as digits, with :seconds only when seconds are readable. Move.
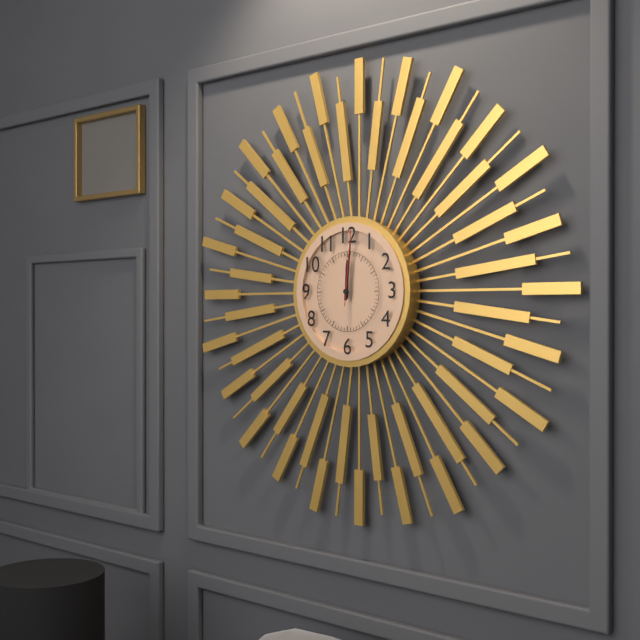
12:01:01
